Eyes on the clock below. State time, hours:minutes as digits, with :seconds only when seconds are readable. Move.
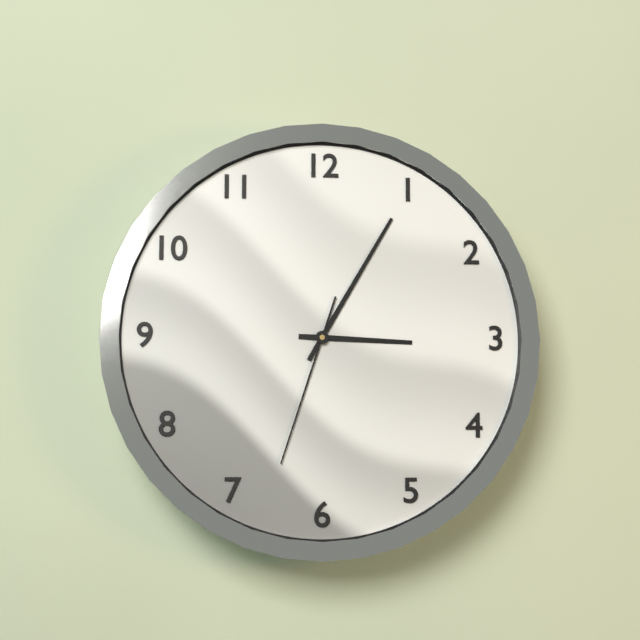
3:05:33
